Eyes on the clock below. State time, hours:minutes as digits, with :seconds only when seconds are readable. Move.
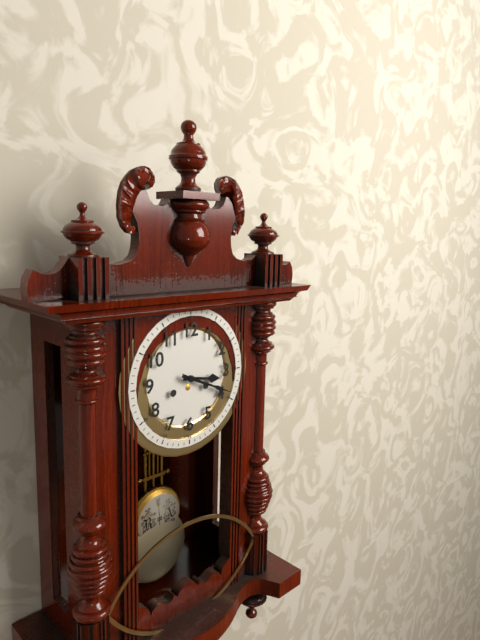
3:19
